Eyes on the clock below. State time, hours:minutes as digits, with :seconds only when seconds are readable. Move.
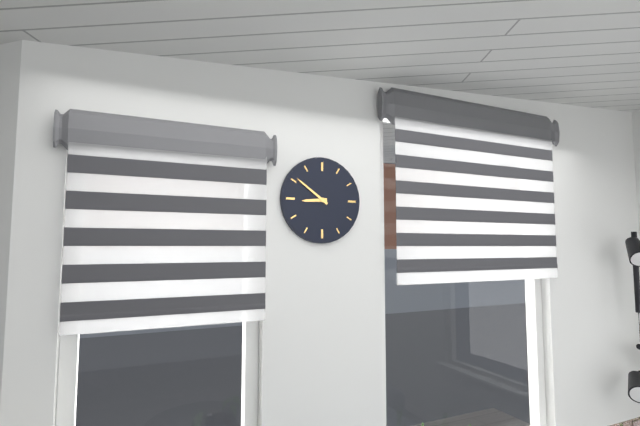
8:51
